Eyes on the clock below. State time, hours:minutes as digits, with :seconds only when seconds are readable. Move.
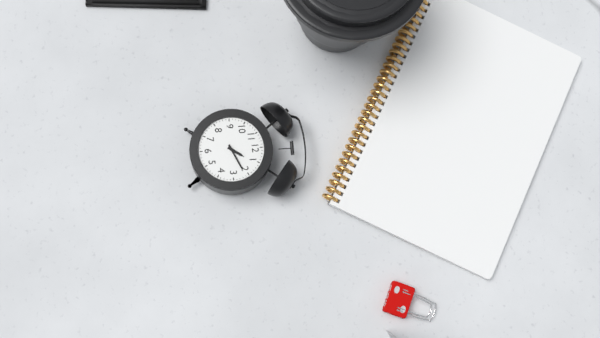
1:11
